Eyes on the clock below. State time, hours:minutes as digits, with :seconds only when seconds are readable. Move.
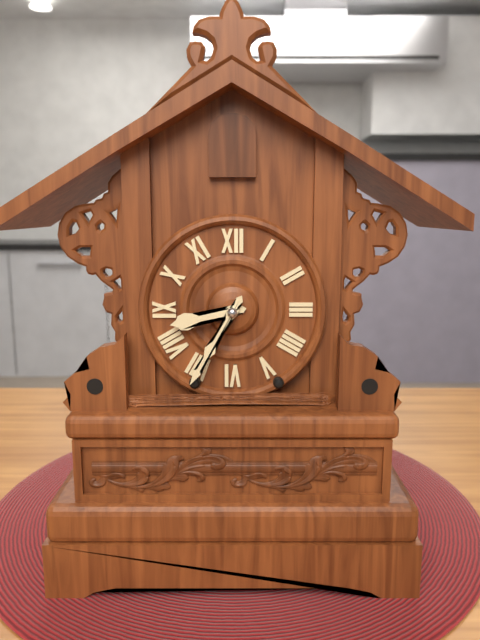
8:35
